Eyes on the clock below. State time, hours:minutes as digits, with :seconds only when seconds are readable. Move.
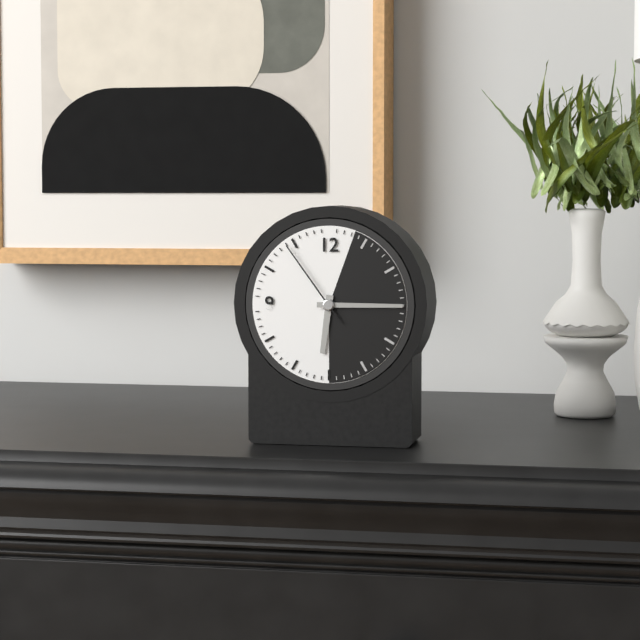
6:15:54
